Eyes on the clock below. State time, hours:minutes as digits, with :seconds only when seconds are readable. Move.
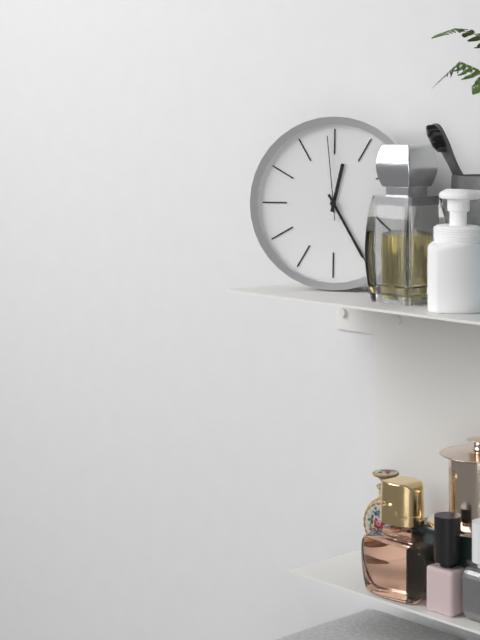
12:25:59
